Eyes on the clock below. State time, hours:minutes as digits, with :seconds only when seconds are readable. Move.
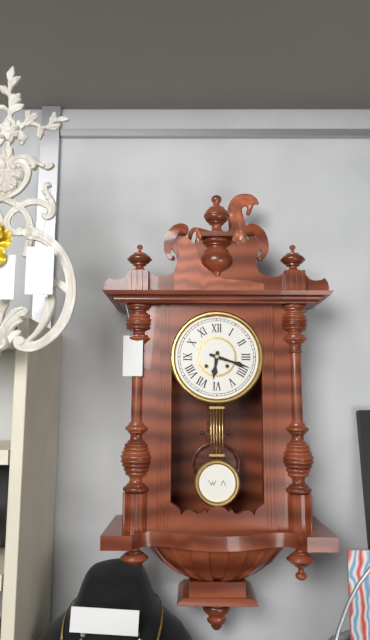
6:18
